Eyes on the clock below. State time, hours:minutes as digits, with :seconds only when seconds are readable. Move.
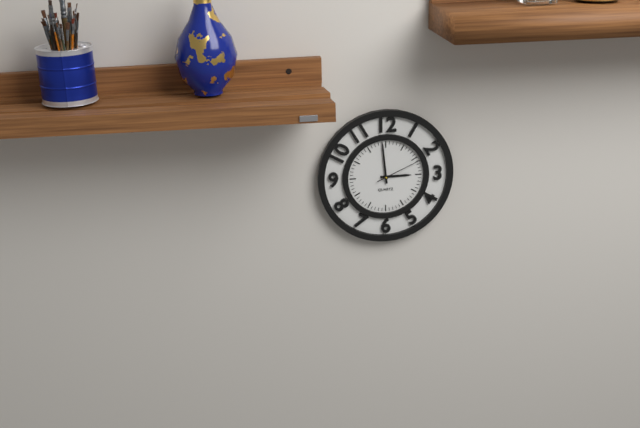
2:59
